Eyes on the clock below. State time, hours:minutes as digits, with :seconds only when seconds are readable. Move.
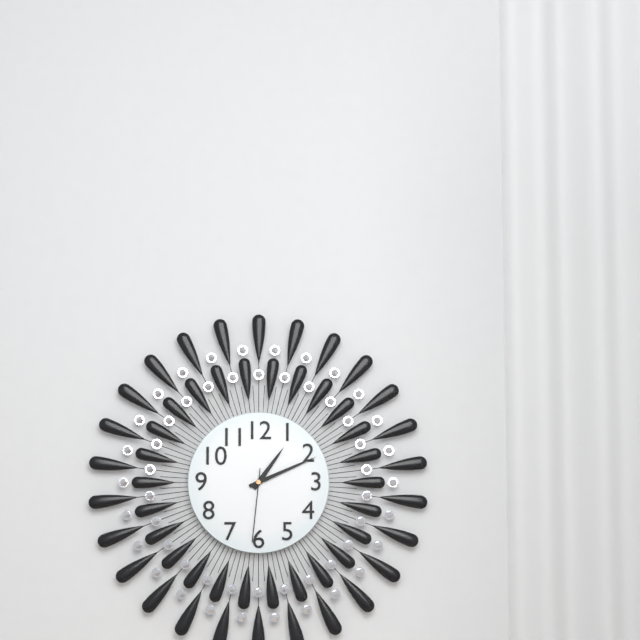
1:11:31
